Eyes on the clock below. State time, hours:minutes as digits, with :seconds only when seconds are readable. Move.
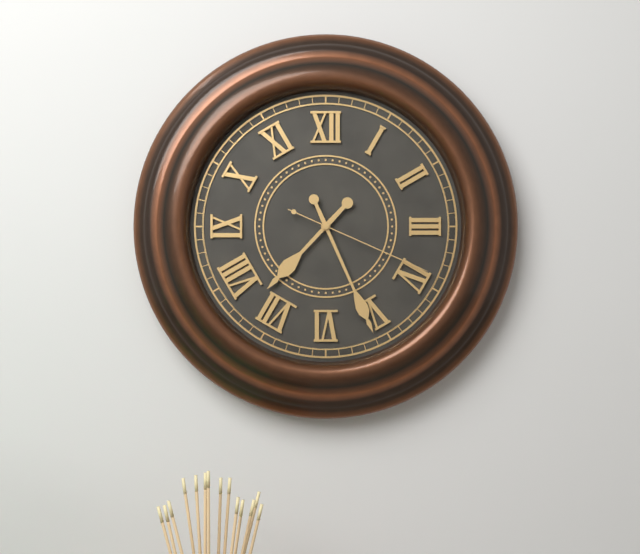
7:26:19
